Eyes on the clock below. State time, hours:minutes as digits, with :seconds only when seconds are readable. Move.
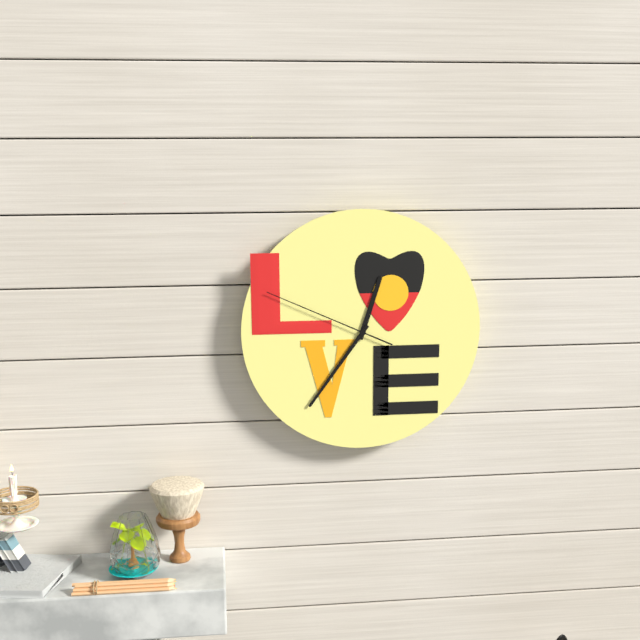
12:36:49
